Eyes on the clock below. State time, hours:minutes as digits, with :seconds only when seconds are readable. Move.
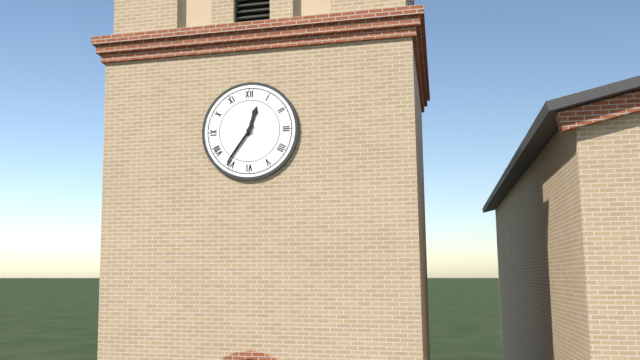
12:36
